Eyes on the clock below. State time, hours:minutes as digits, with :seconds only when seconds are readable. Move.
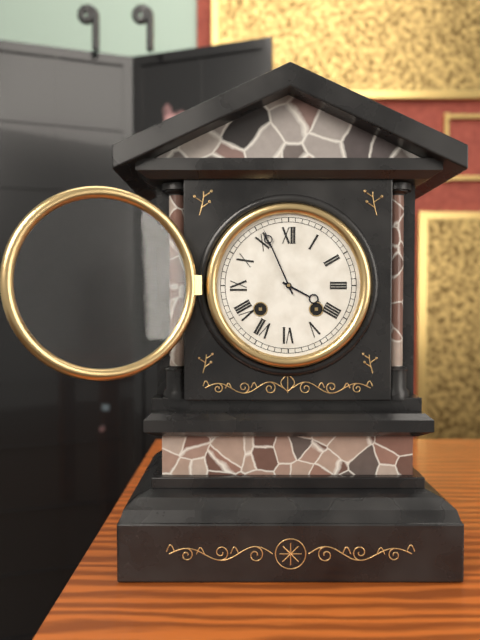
3:56
